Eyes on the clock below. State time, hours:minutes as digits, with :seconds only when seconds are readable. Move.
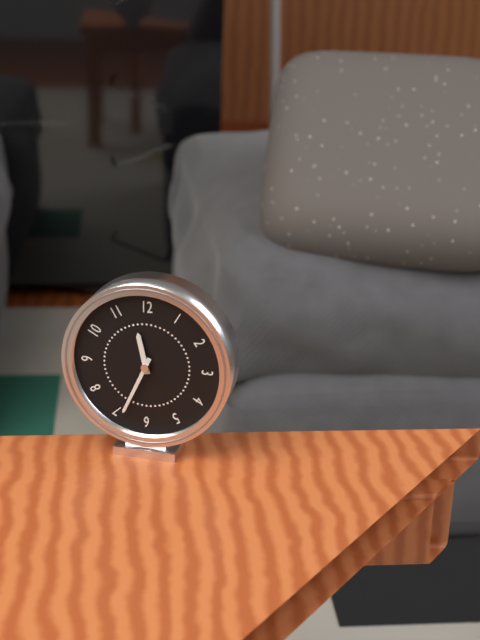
11:34
